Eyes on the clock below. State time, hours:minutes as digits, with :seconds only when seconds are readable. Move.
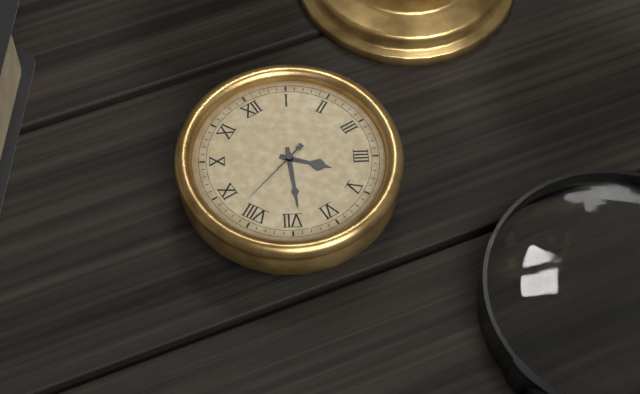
4:34:42
